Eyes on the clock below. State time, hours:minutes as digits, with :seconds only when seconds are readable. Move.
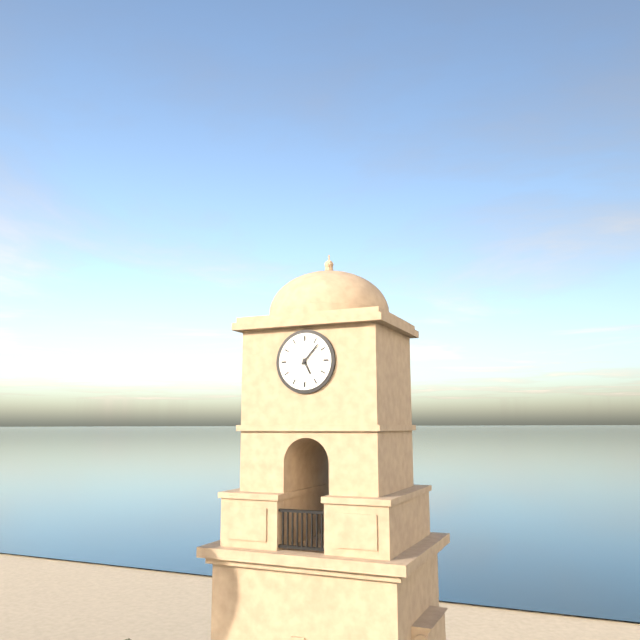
5:07
